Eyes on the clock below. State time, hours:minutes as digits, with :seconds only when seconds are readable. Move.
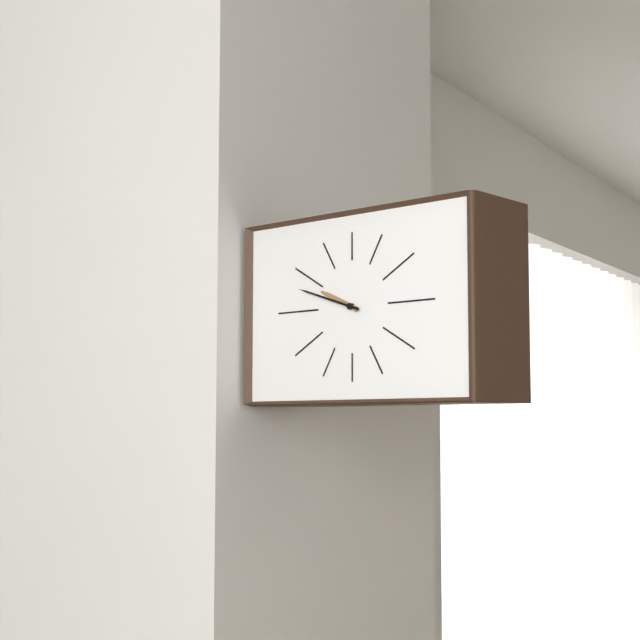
9:48
